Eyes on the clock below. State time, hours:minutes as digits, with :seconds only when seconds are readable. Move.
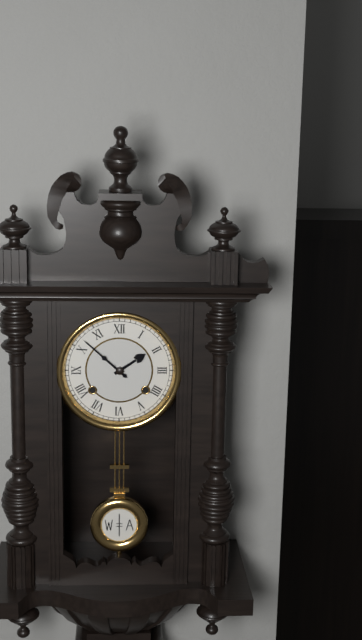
1:52
